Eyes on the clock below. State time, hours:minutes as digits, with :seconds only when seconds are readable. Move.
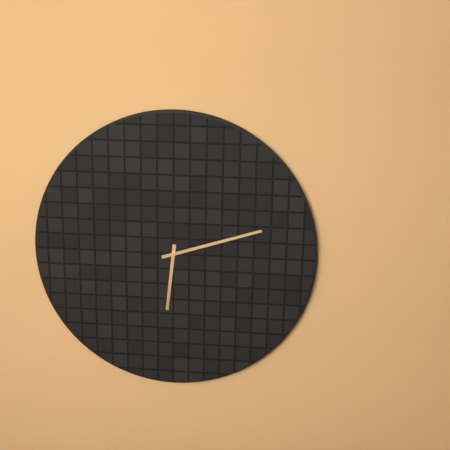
6:12
